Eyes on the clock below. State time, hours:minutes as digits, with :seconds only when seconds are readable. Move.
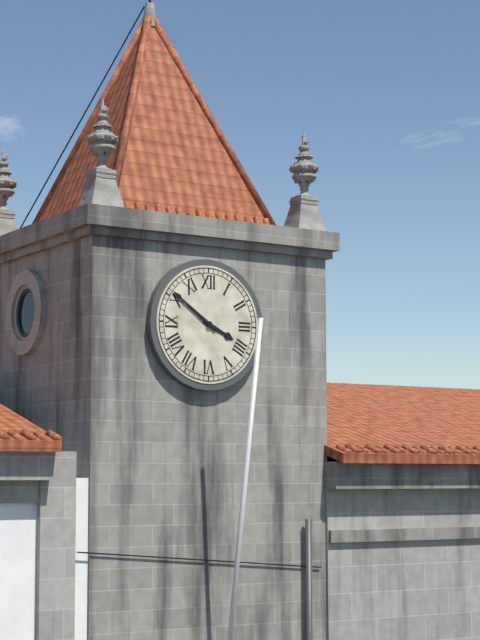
3:51
